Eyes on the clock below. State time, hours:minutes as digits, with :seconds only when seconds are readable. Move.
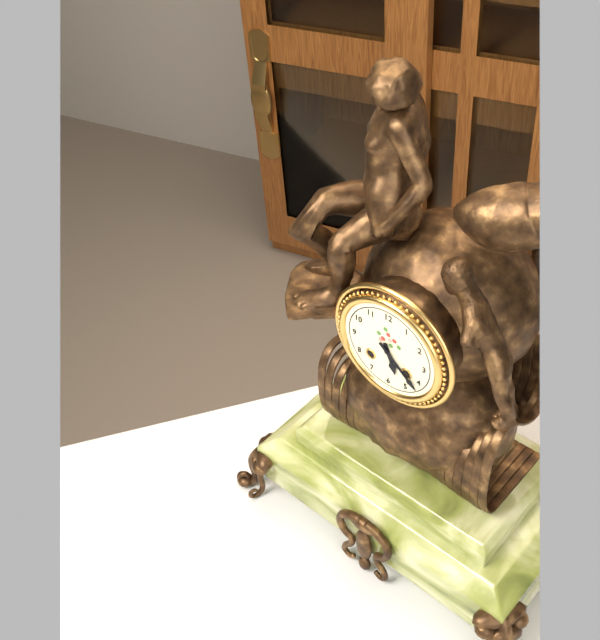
5:22
